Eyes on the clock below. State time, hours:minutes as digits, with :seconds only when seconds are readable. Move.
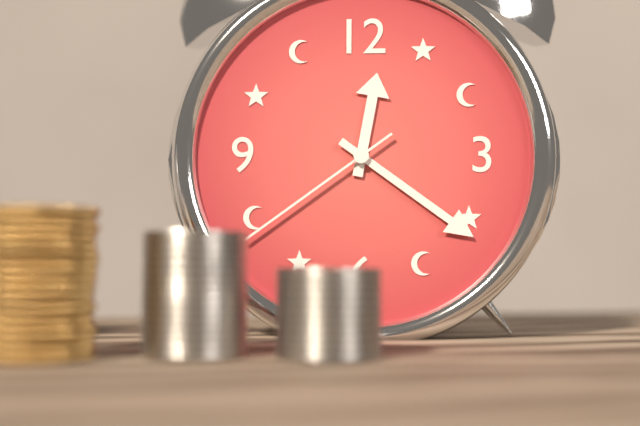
12:21:39
